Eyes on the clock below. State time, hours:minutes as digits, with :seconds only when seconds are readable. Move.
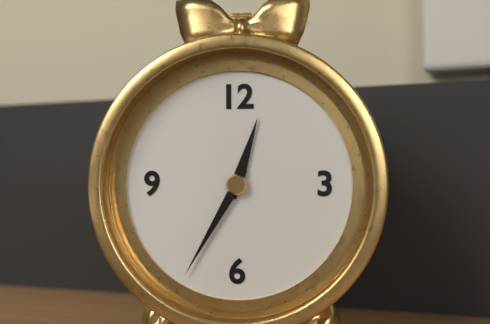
12:35
